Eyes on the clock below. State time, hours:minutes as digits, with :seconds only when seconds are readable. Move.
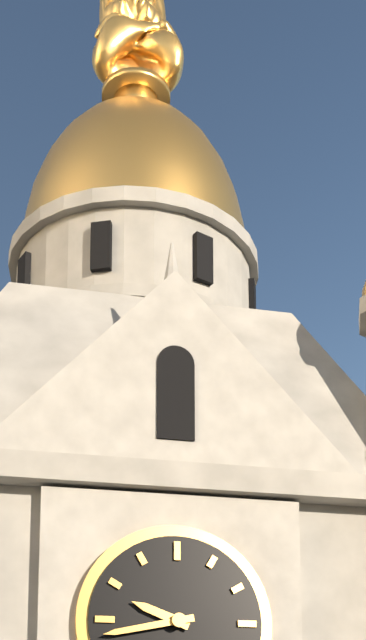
9:43
